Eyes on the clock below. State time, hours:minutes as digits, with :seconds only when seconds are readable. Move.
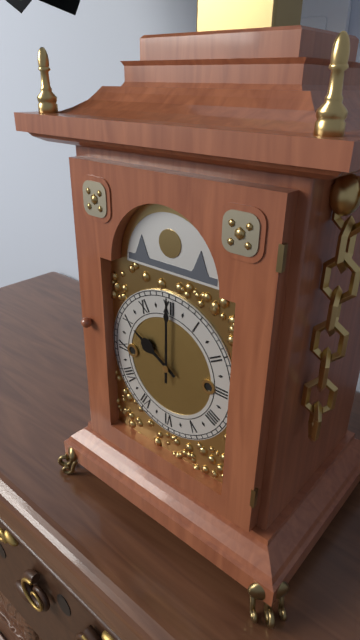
10:00
